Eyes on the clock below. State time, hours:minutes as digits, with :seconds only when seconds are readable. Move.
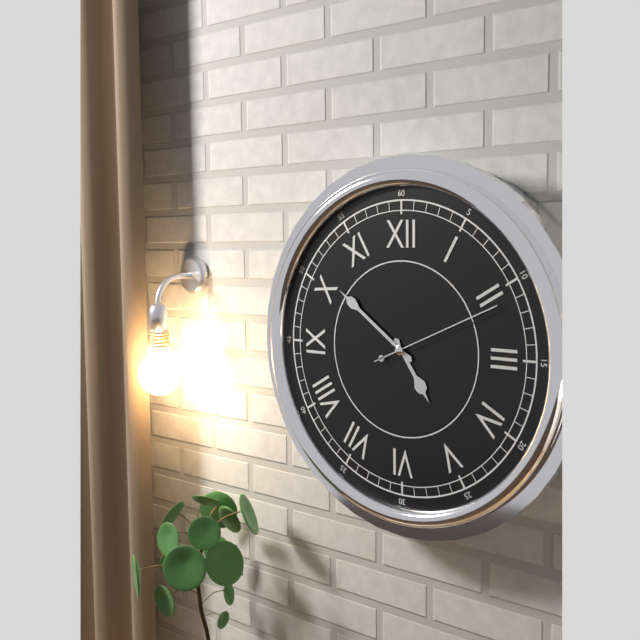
4:51:11
